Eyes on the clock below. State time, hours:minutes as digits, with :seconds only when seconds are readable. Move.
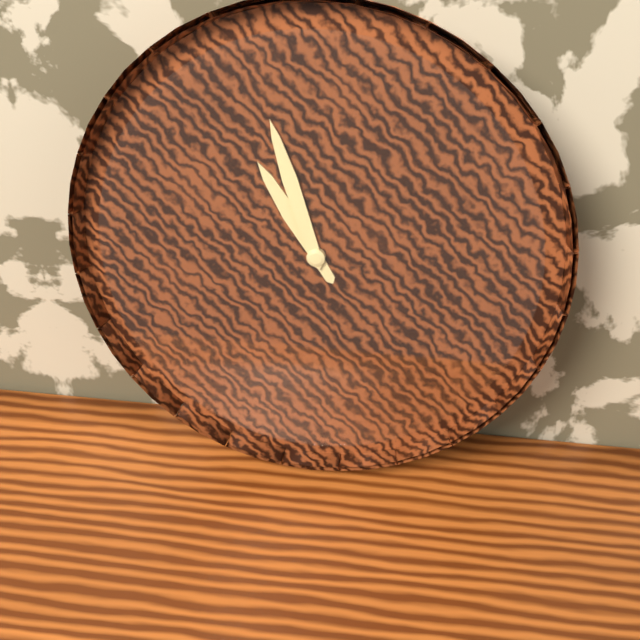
10:57
